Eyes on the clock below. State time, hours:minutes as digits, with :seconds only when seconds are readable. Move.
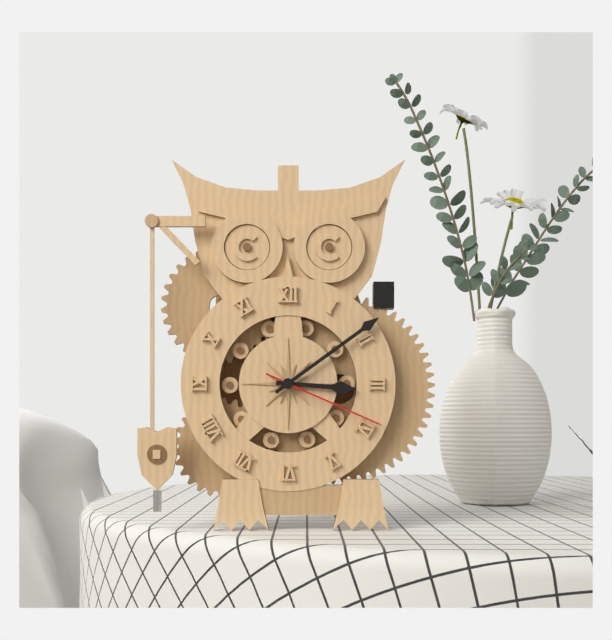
3:09:19
